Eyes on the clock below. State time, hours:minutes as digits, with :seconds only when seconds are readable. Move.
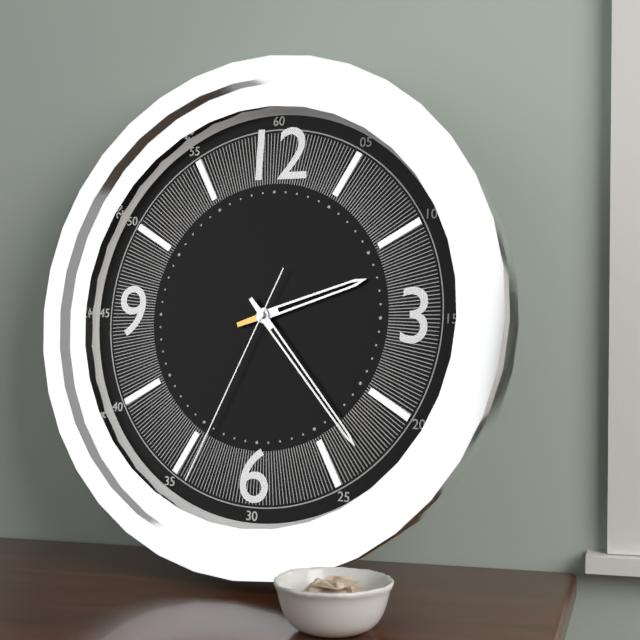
2:23:34
